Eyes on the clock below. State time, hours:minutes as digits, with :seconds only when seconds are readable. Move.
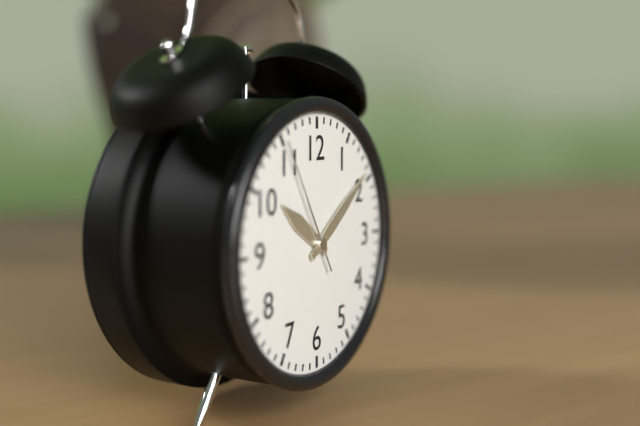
10:09:55
